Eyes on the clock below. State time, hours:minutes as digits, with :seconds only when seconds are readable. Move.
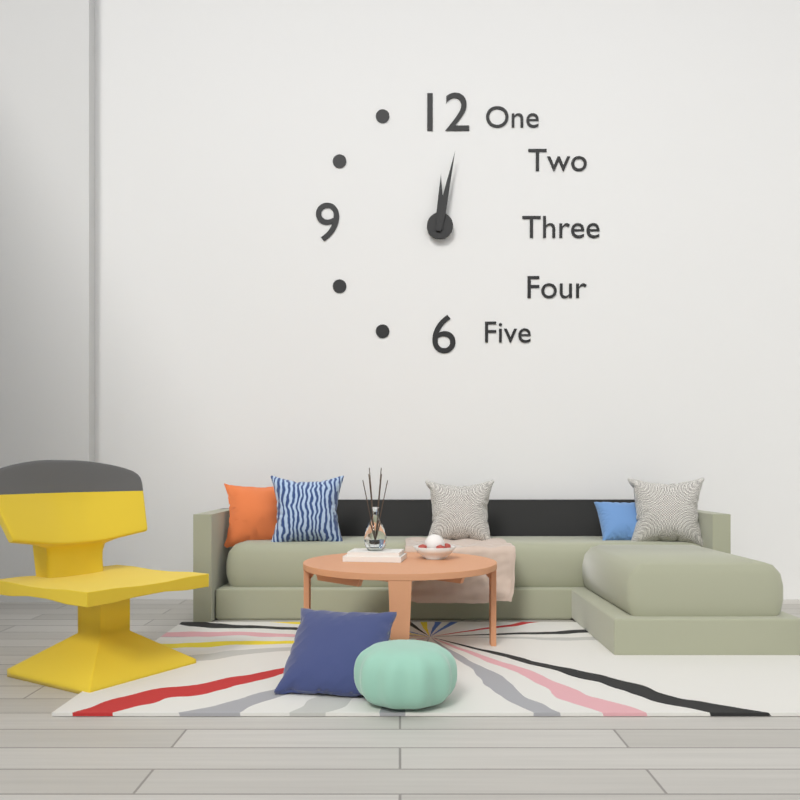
12:02
